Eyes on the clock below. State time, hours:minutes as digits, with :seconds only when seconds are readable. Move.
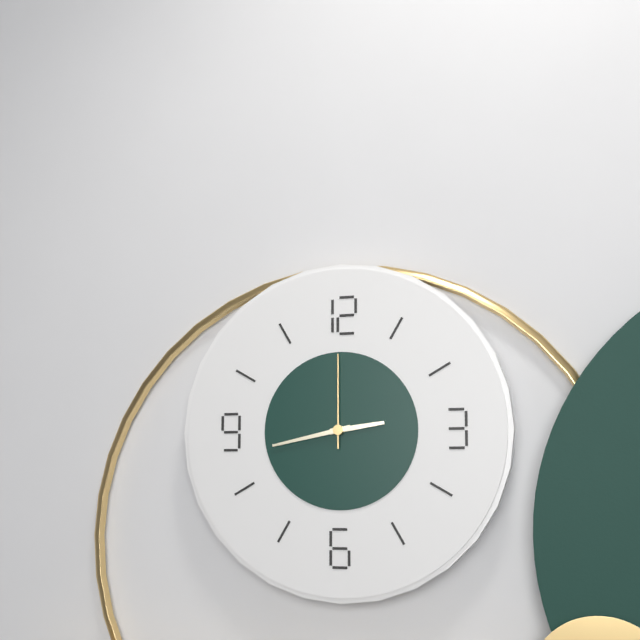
2:43:00
